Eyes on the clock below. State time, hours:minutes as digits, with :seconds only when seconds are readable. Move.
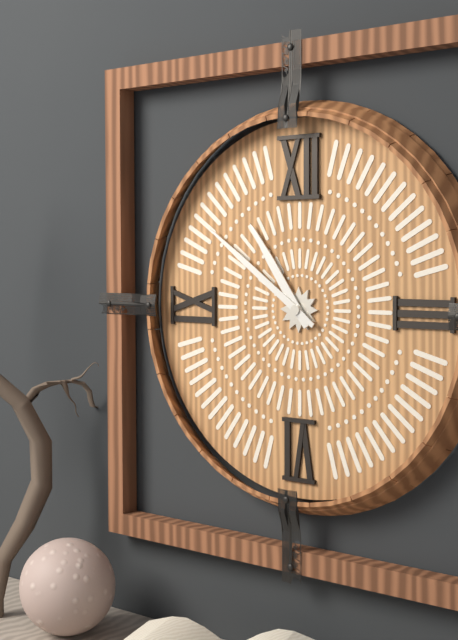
10:51
